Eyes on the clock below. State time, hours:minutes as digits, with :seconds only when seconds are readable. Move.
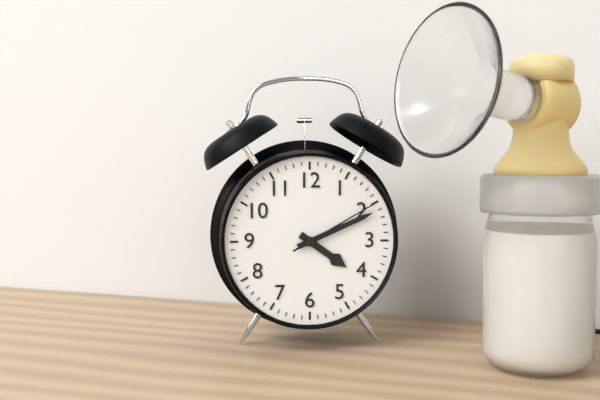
4:11:10
